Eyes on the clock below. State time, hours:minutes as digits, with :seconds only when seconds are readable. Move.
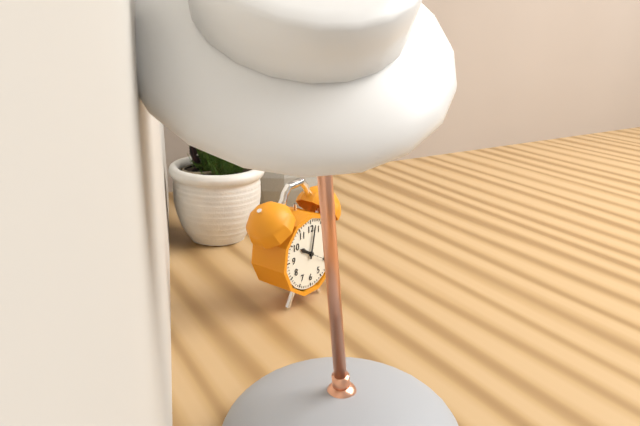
10:02
